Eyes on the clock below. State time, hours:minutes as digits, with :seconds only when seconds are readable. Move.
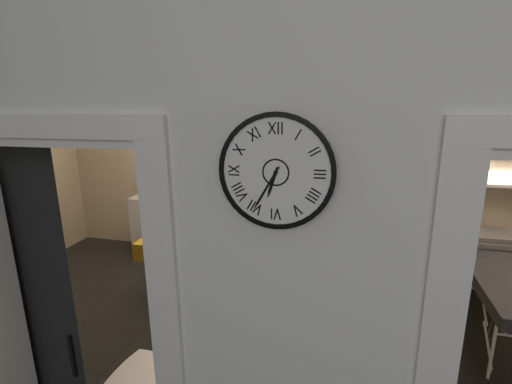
6:35
